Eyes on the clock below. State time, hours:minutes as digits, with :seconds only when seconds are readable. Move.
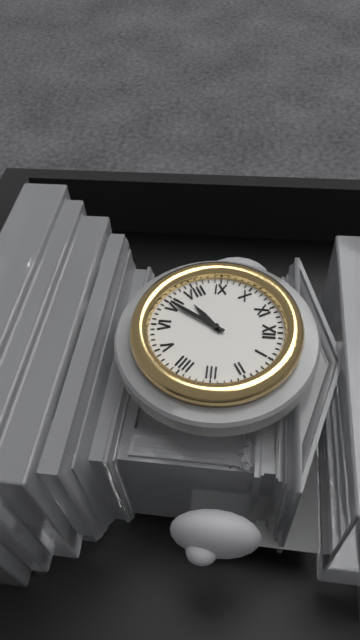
7:35
